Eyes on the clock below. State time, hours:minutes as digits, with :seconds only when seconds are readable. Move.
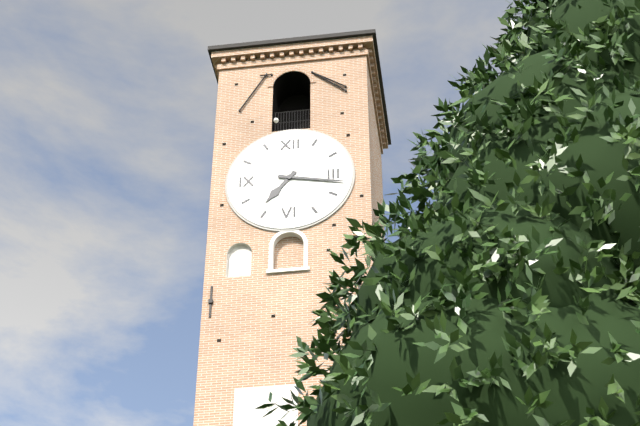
7:17
